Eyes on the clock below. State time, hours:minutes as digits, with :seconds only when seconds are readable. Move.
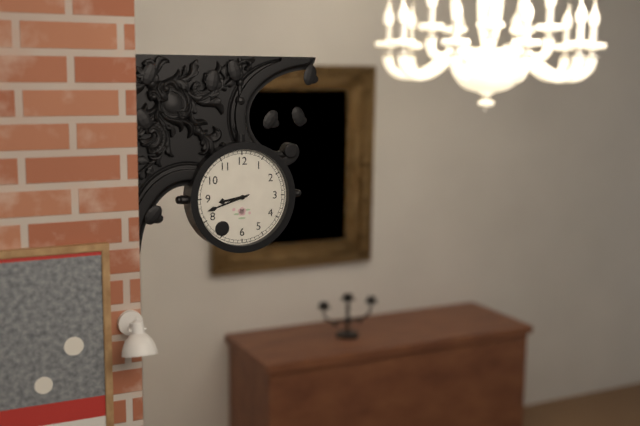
8:42
